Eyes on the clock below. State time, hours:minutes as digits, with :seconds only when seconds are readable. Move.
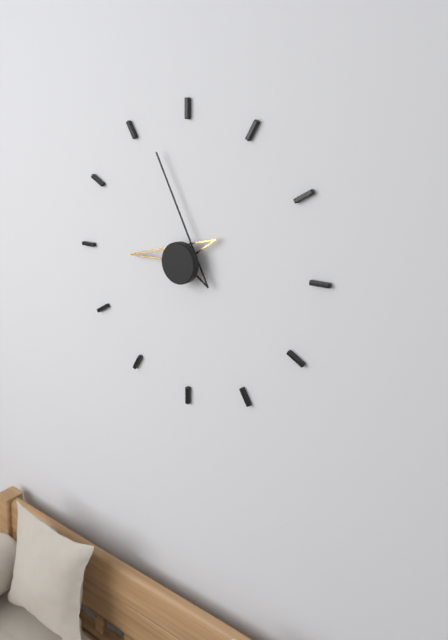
8:57
